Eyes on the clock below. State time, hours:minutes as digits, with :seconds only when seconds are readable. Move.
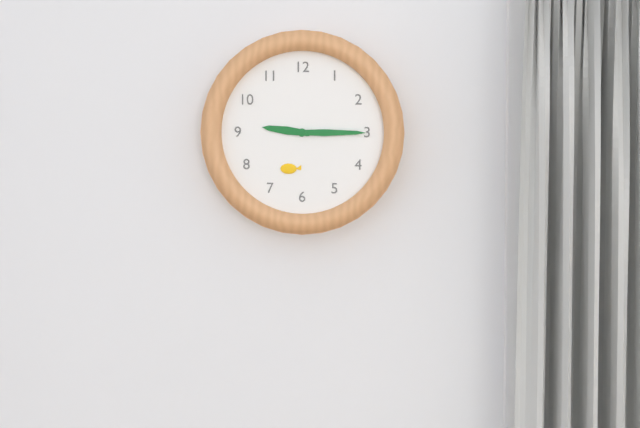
9:15
